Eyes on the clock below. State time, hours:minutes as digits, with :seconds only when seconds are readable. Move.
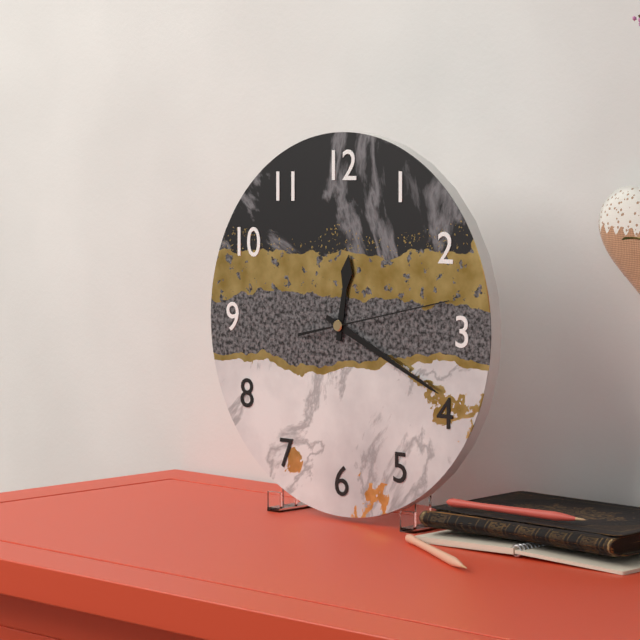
12:19:13
